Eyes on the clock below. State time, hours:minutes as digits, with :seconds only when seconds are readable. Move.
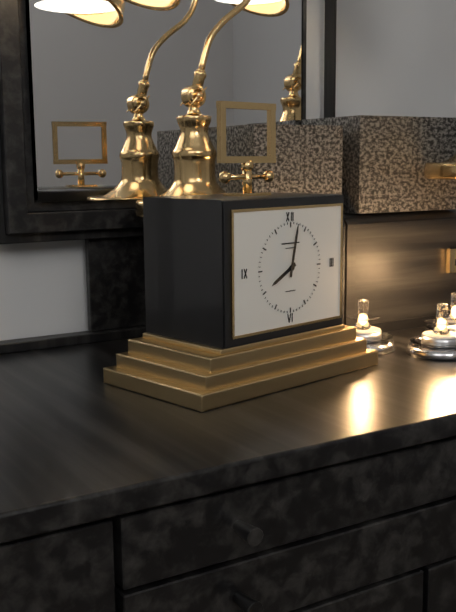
8:02
